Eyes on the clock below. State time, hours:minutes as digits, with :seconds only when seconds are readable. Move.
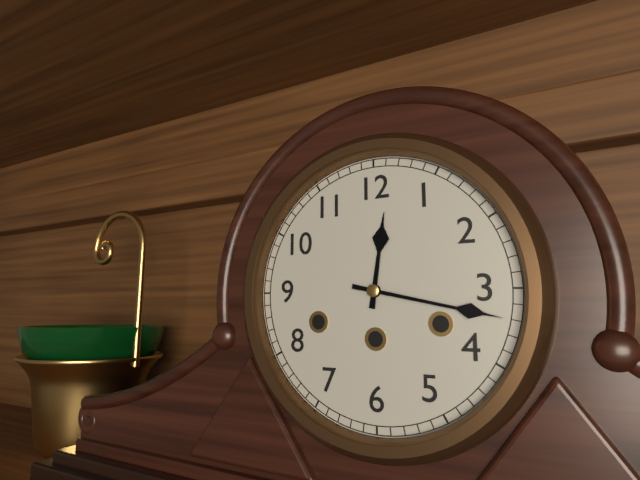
12:17
